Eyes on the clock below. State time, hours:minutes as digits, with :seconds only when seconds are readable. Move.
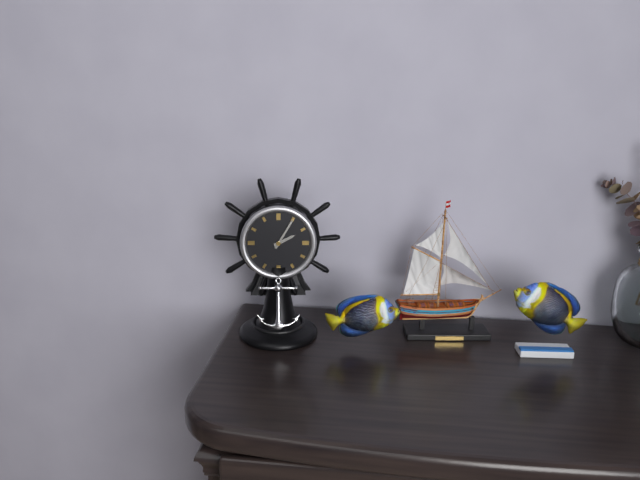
2:05
